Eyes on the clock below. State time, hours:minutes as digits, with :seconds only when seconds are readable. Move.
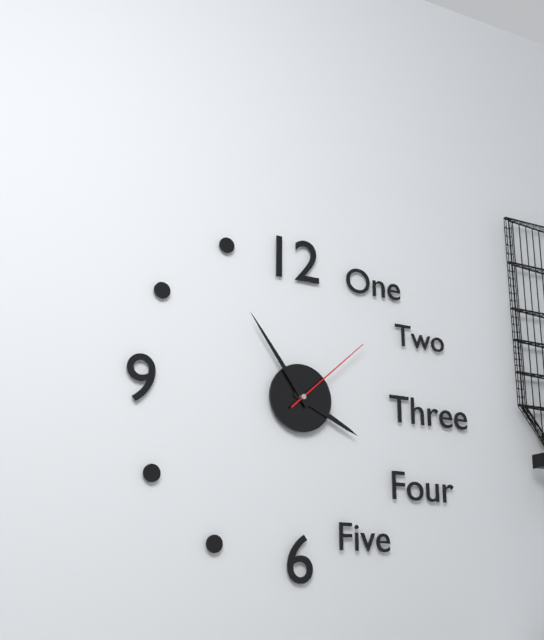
3:54:08
